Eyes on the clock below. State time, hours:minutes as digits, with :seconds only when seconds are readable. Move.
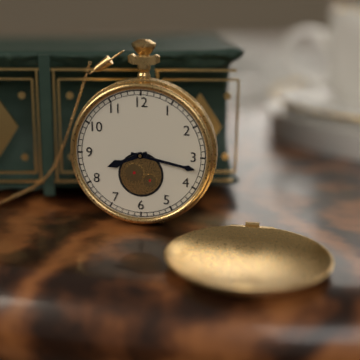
8:17
